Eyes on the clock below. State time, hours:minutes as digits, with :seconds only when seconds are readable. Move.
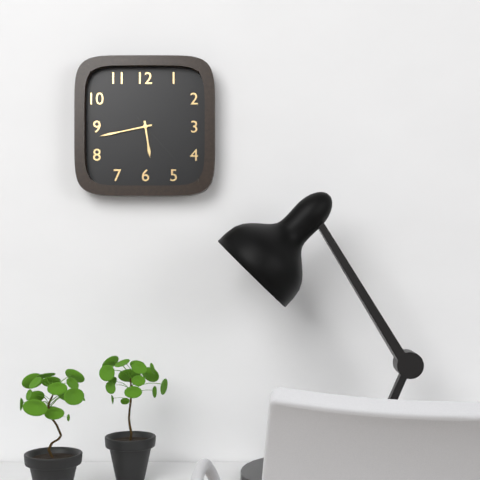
5:43:23
